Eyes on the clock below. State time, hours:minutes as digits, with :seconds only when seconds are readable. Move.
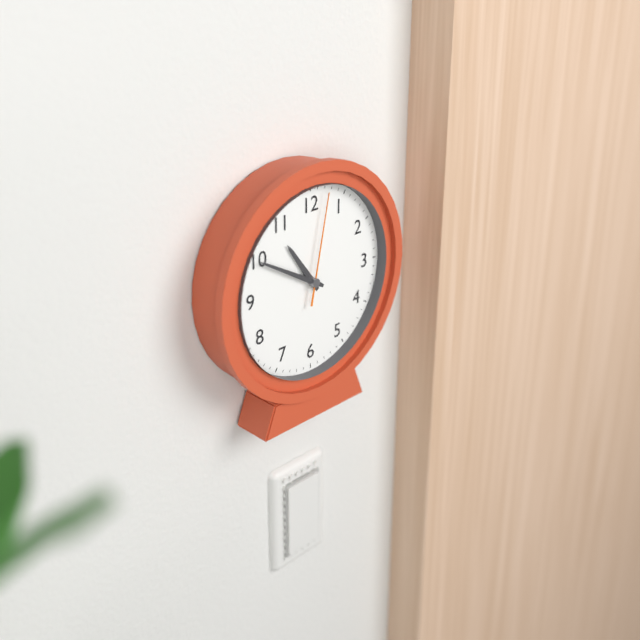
10:50:02
